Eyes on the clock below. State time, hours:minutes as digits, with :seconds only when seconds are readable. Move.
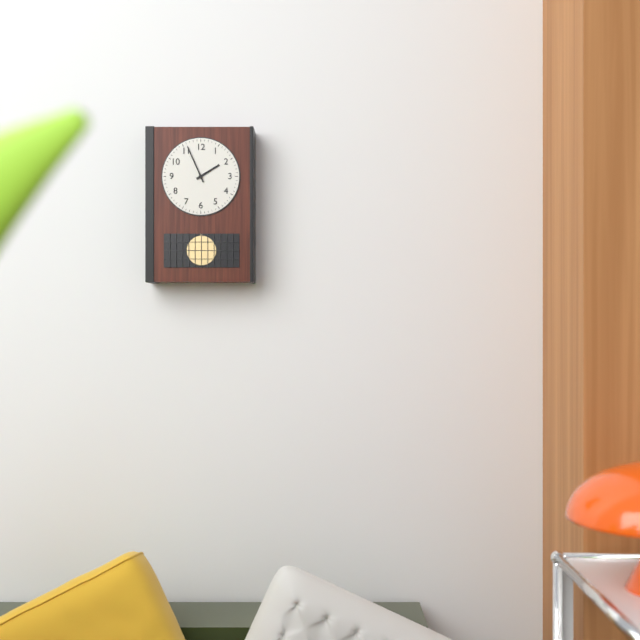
1:56
